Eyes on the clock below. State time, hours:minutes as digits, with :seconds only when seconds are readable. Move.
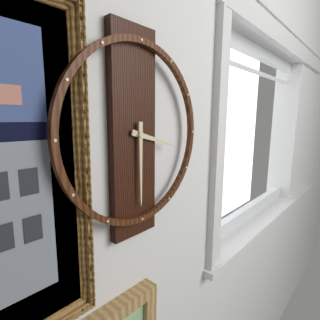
3:30
